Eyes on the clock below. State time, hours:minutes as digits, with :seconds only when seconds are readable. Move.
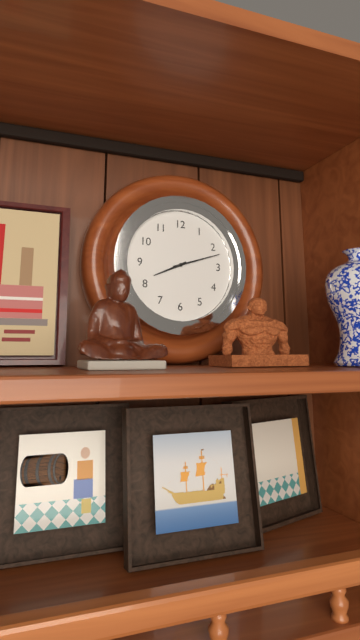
8:12
